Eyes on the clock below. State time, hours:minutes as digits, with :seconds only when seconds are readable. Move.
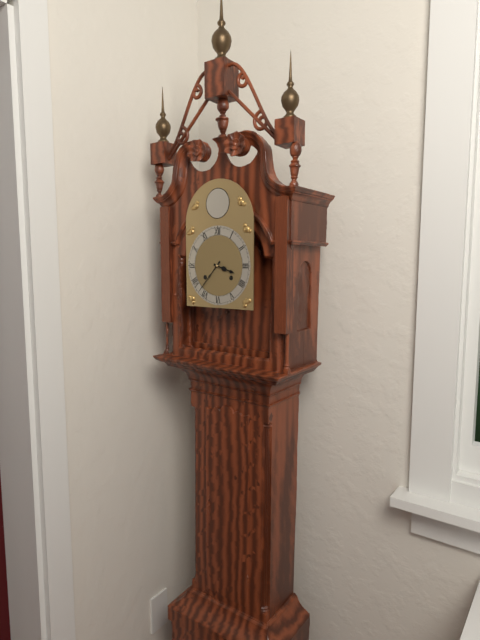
3:37
